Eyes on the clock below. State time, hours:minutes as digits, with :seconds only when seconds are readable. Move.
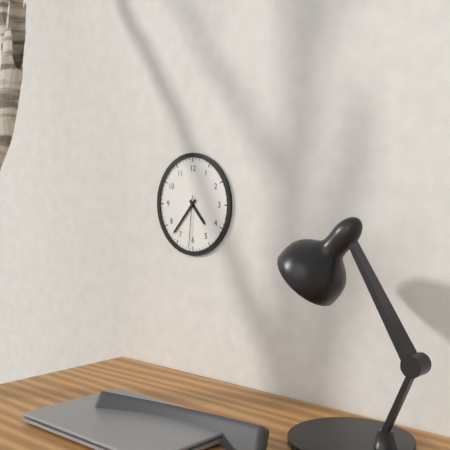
4:37:31
